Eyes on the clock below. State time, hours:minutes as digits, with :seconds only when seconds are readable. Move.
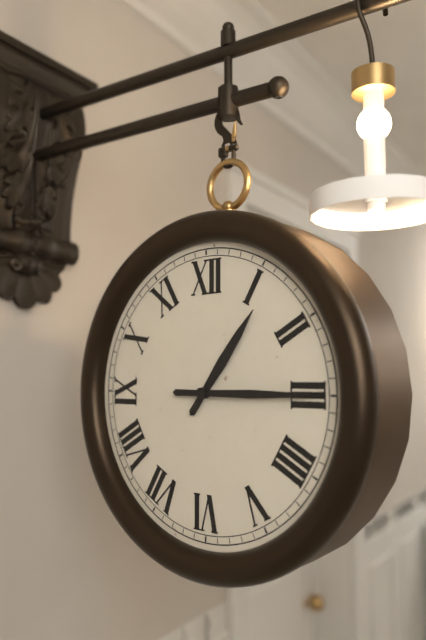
1:15
